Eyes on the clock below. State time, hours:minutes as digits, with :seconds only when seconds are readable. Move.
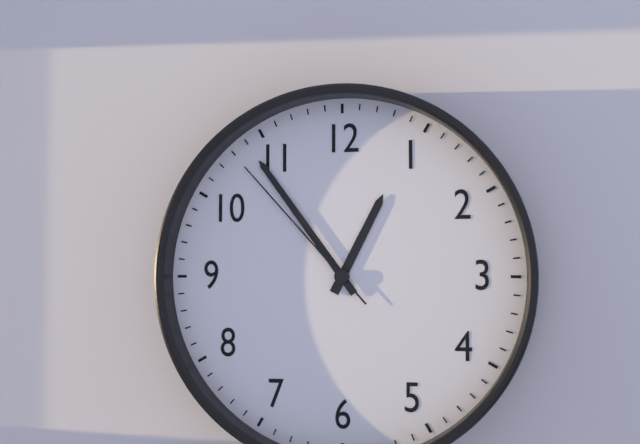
12:54:53
